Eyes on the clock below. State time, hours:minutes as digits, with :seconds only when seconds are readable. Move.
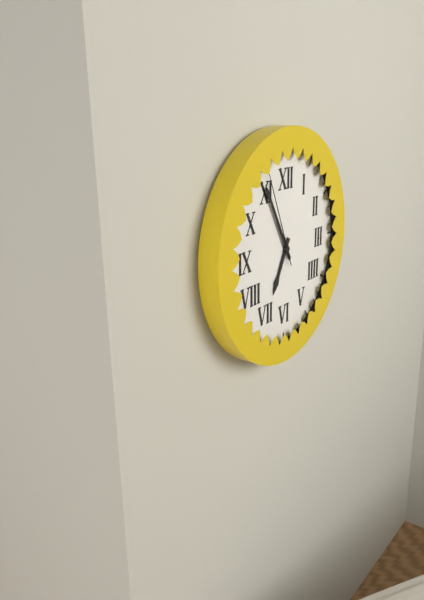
6:55:56
